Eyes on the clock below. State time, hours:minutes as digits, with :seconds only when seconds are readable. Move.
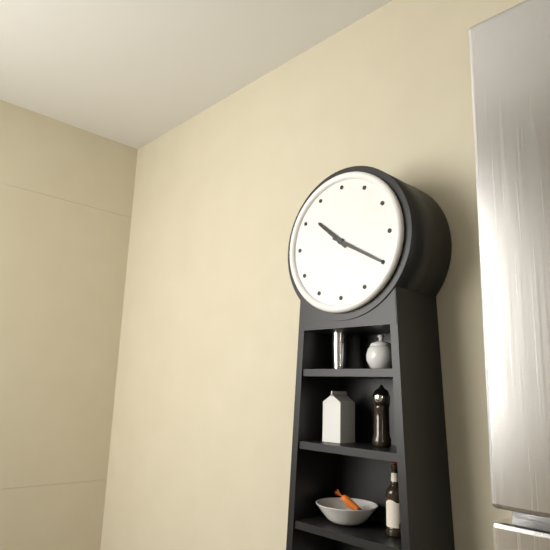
10:20
